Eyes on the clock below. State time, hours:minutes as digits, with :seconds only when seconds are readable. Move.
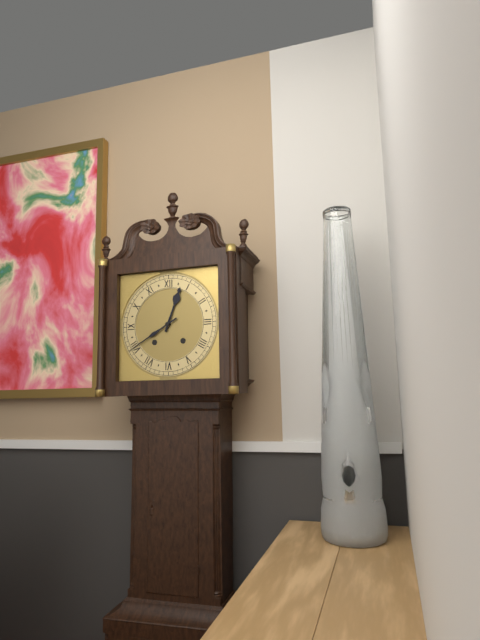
12:40
